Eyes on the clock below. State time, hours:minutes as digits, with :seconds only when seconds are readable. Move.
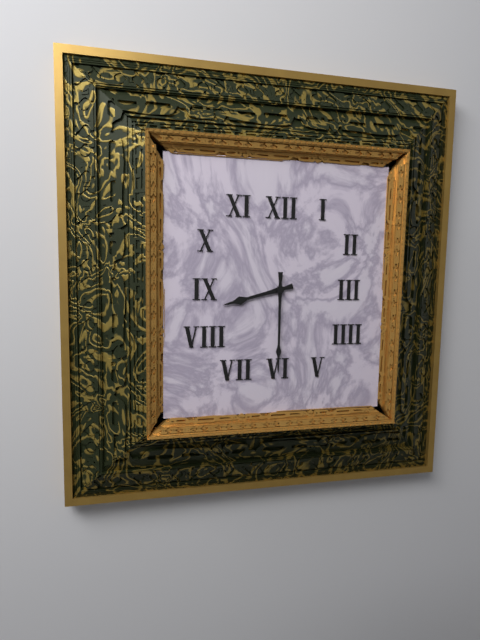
8:30
